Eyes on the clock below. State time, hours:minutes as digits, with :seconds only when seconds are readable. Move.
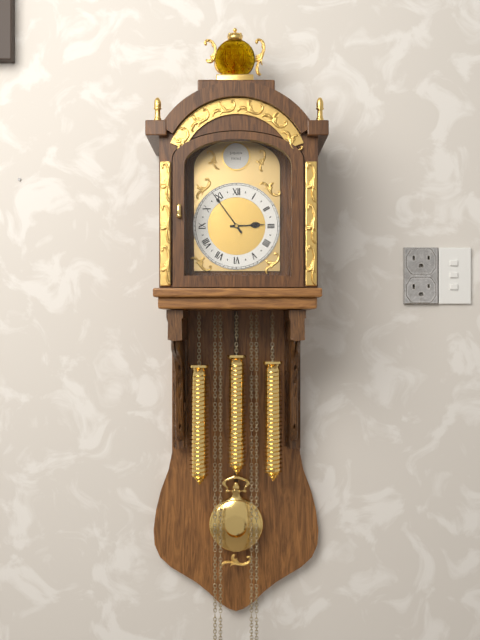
2:54
